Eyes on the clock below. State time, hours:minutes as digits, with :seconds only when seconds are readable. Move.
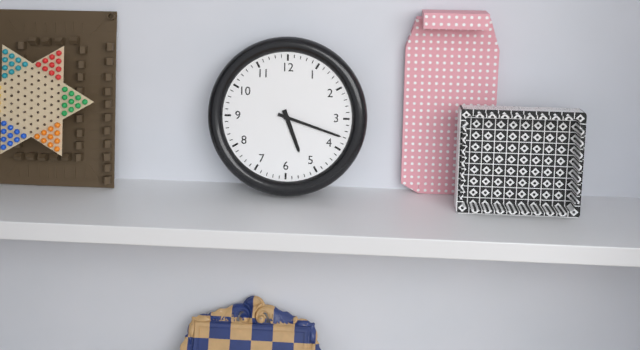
5:18
